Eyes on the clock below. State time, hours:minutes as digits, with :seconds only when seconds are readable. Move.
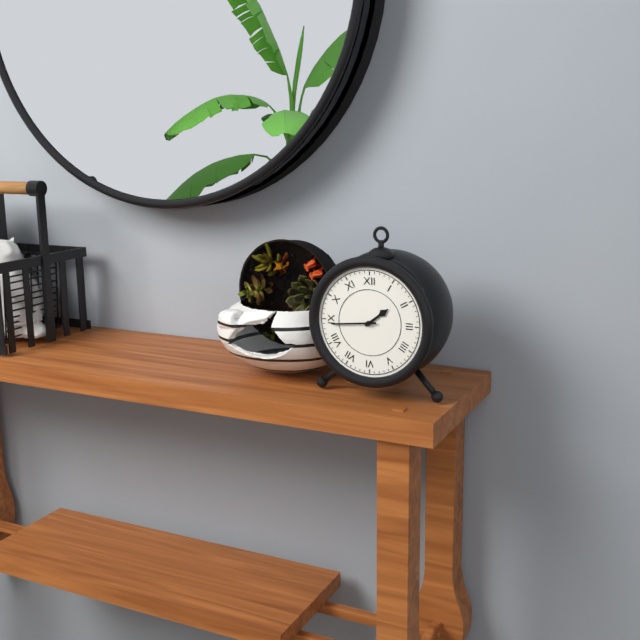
1:44
